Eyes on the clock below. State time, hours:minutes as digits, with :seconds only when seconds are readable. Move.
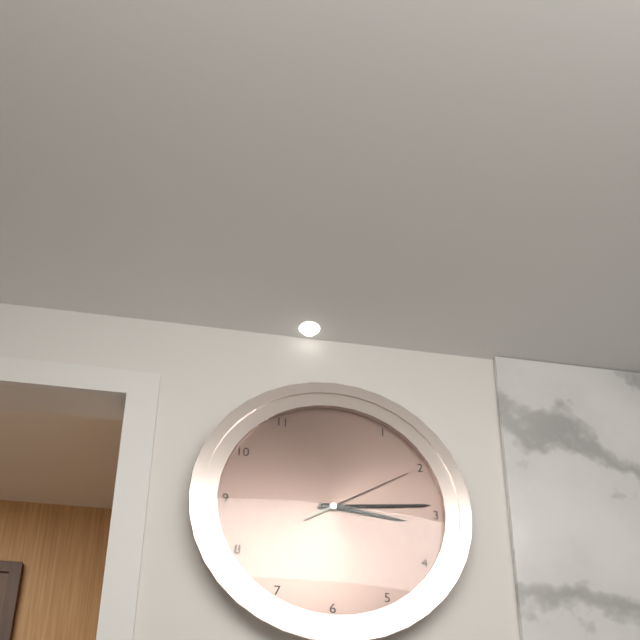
3:14:10
